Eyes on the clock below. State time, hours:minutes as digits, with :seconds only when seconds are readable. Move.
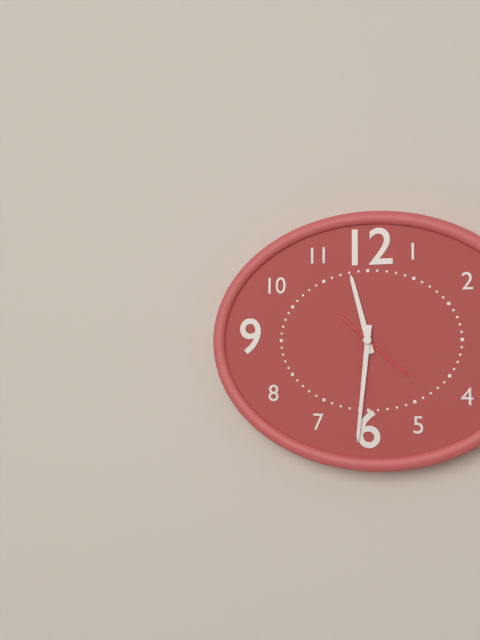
11:31:22
